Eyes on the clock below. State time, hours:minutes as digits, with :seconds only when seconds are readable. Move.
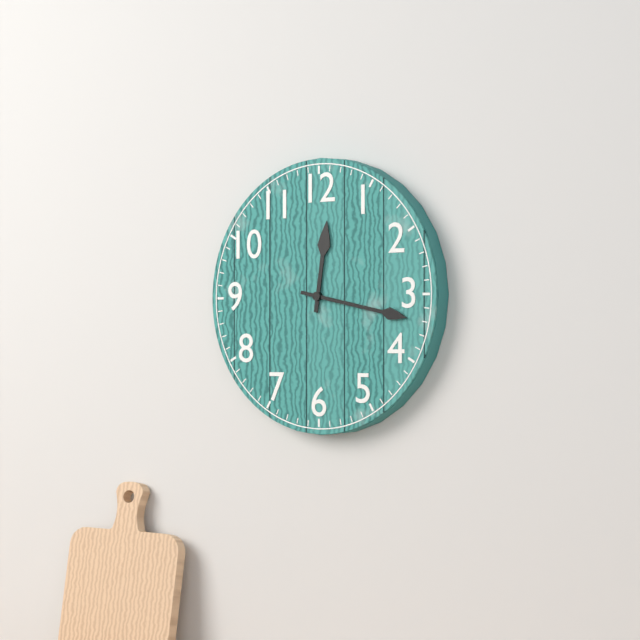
12:17
